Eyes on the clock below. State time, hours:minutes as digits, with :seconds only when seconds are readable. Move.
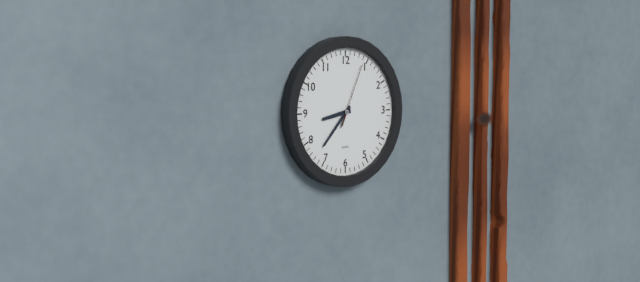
8:37:04
